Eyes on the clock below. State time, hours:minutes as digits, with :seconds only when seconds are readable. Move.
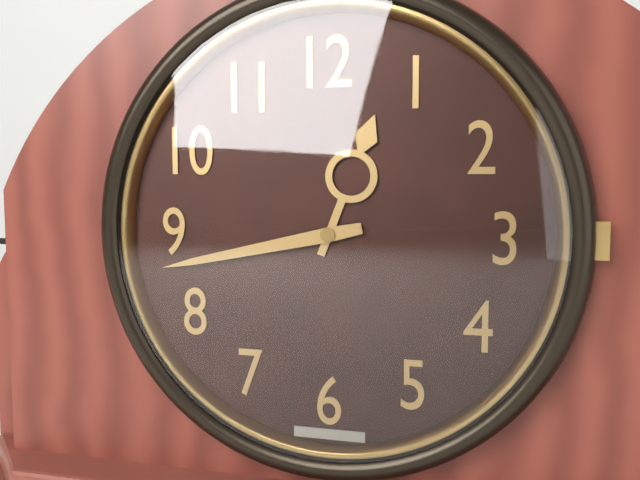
12:43
